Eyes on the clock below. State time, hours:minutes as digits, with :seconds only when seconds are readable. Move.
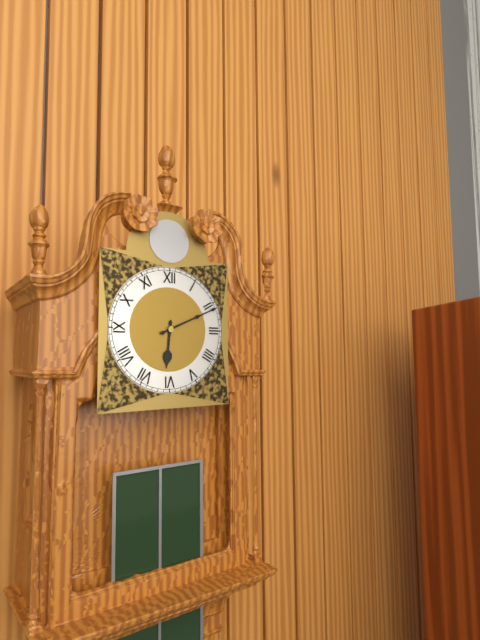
6:11
